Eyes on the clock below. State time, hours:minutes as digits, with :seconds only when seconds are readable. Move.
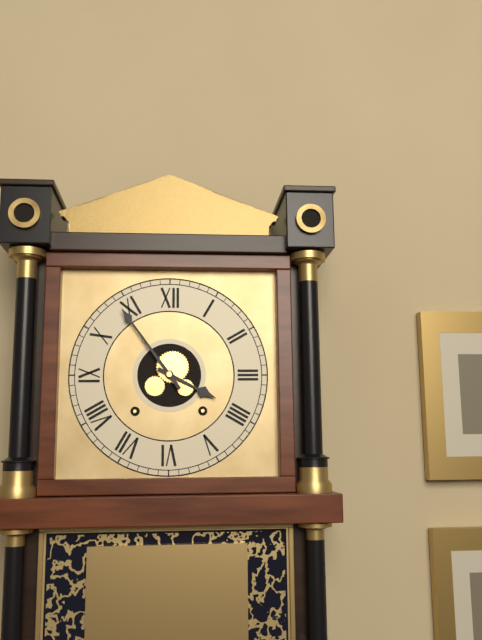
3:54
